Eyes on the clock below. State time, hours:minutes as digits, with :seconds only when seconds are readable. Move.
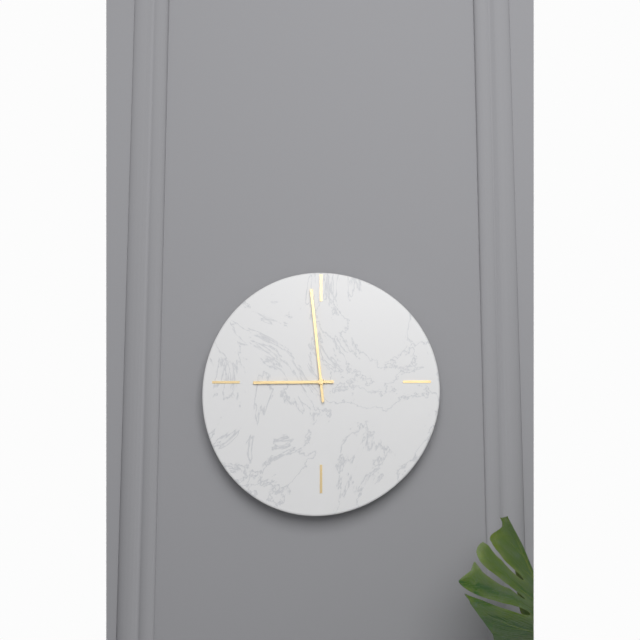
8:59
